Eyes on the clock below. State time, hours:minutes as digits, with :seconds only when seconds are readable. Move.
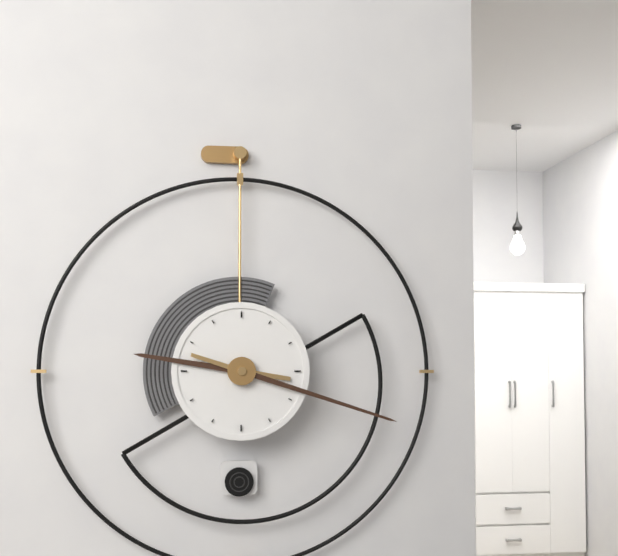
9:18
